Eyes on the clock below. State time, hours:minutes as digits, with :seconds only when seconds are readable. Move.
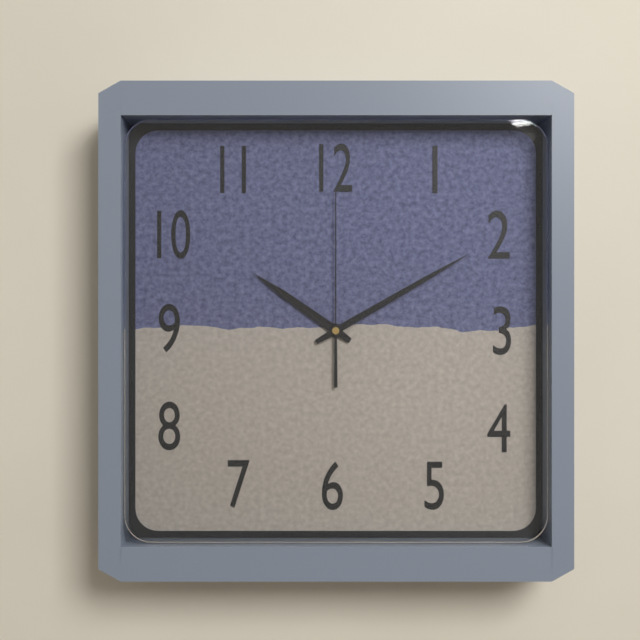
10:10:00
